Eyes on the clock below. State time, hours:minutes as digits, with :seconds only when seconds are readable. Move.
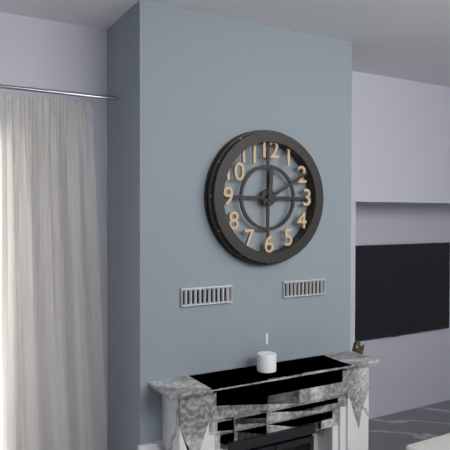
12:10
